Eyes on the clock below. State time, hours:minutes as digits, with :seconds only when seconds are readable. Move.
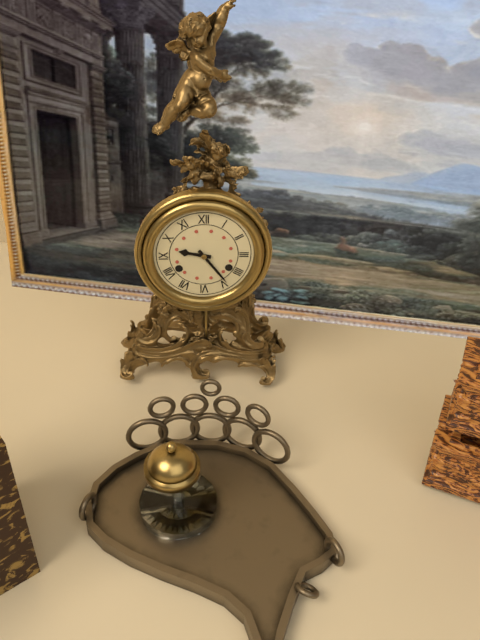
9:24
